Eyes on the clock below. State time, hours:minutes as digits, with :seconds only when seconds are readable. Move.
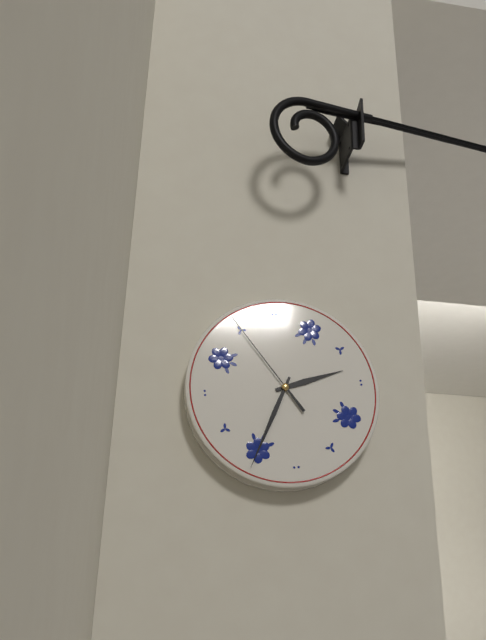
2:35:55
